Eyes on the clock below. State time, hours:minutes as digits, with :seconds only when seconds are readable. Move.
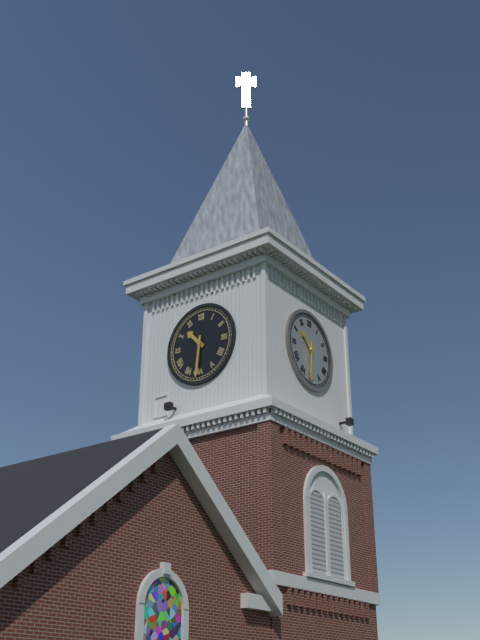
10:31
